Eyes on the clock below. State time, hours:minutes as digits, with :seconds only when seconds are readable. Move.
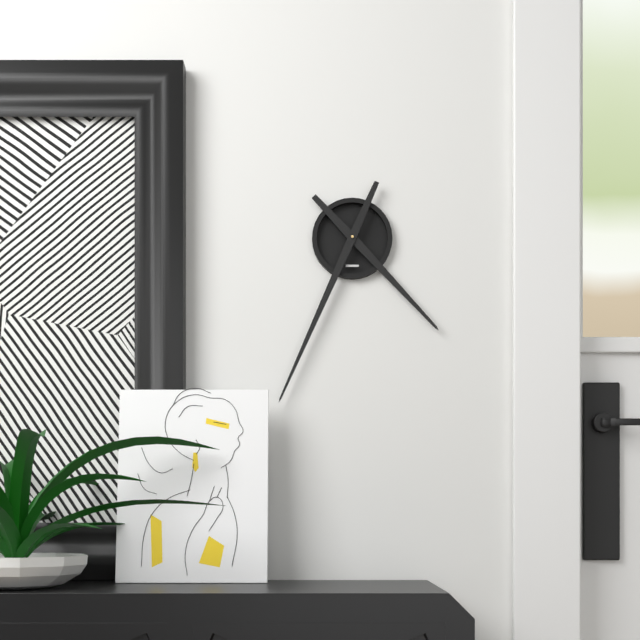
4:34
